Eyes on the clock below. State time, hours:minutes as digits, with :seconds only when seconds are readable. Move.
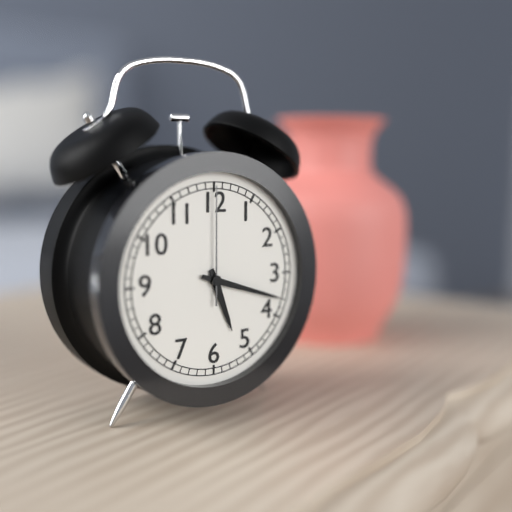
5:18:00
